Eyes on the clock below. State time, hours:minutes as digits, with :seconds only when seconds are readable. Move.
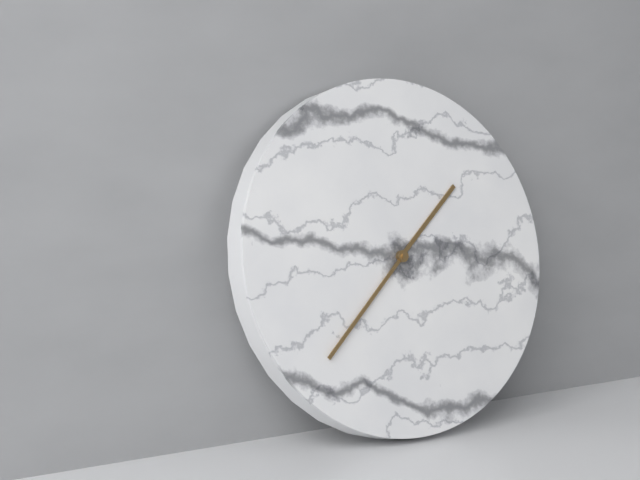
1:38
